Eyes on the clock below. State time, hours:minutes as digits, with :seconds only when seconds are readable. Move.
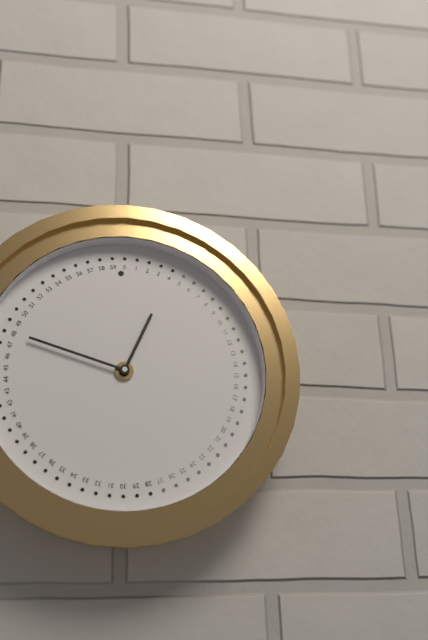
12:48
